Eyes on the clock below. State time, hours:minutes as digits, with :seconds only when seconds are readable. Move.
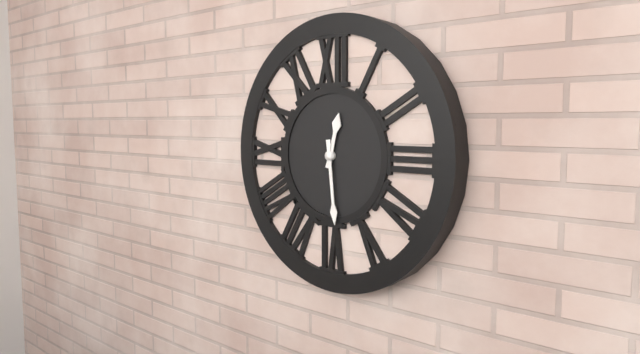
12:29
